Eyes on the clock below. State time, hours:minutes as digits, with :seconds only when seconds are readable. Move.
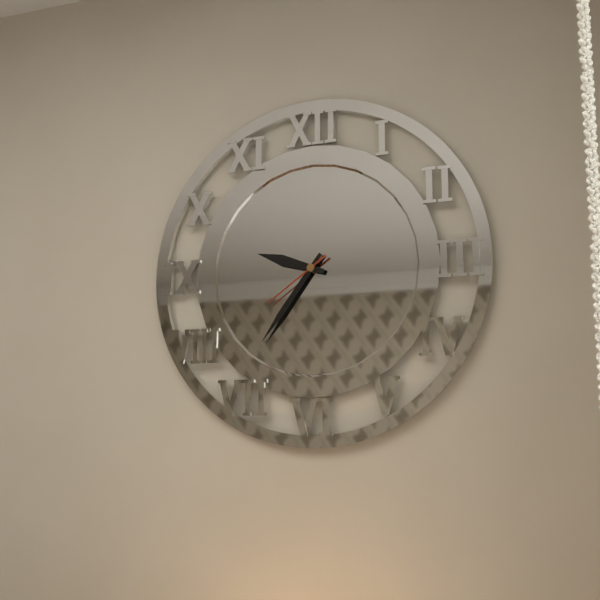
9:36:39
